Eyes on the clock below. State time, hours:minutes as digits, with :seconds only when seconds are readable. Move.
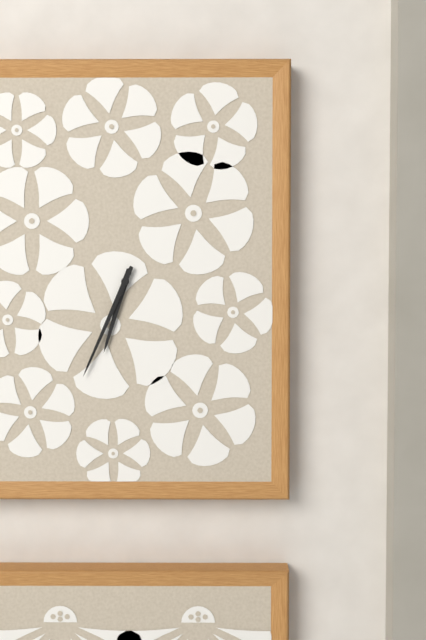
6:34
